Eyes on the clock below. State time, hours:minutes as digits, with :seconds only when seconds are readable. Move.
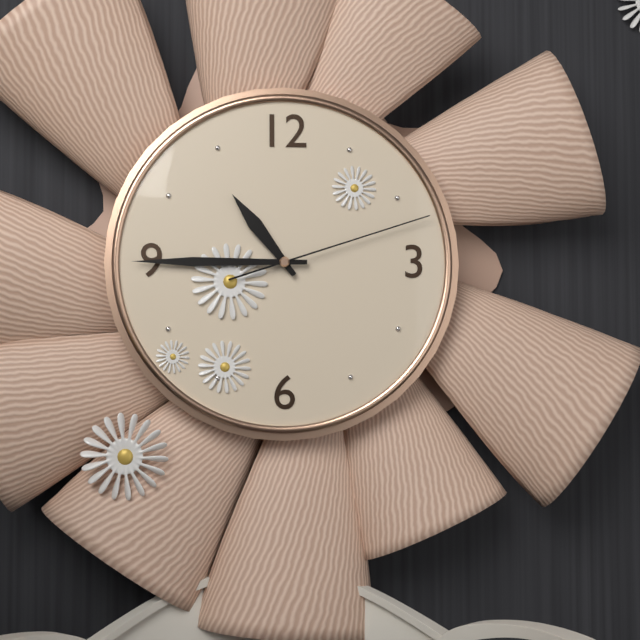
10:45:12
